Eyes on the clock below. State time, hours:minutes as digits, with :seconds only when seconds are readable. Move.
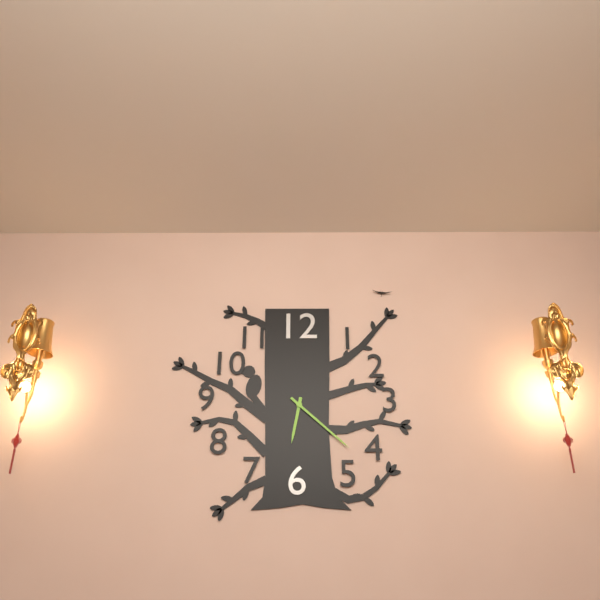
6:22
